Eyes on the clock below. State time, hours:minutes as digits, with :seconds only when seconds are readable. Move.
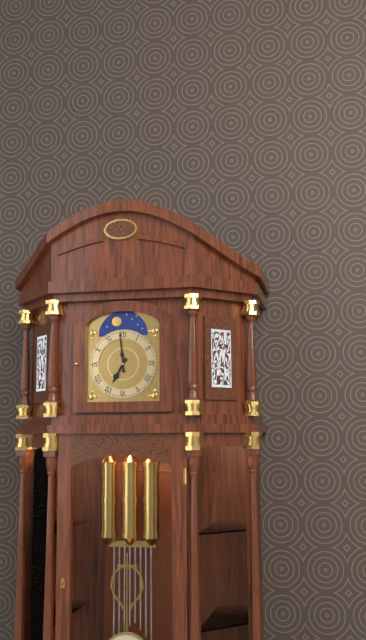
6:59
